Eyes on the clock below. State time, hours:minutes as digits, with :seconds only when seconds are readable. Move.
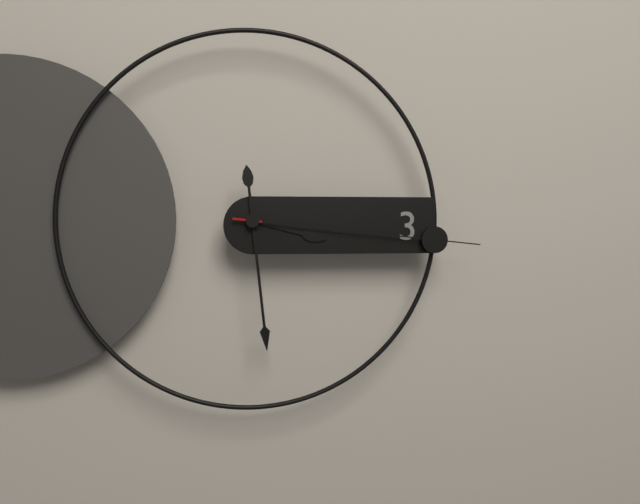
3:29:16
